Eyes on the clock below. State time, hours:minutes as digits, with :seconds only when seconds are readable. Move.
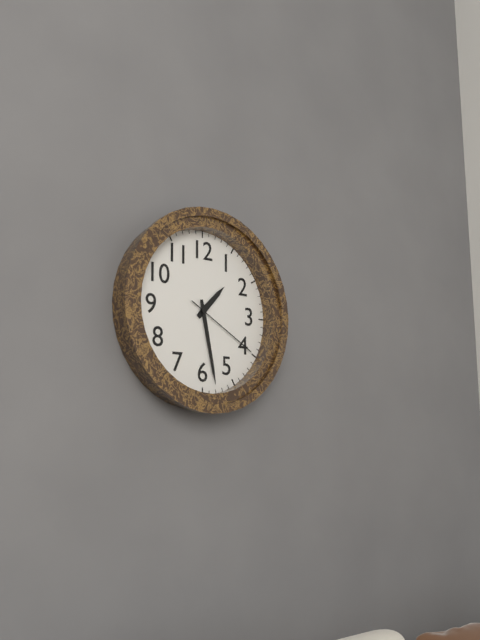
1:28:20
